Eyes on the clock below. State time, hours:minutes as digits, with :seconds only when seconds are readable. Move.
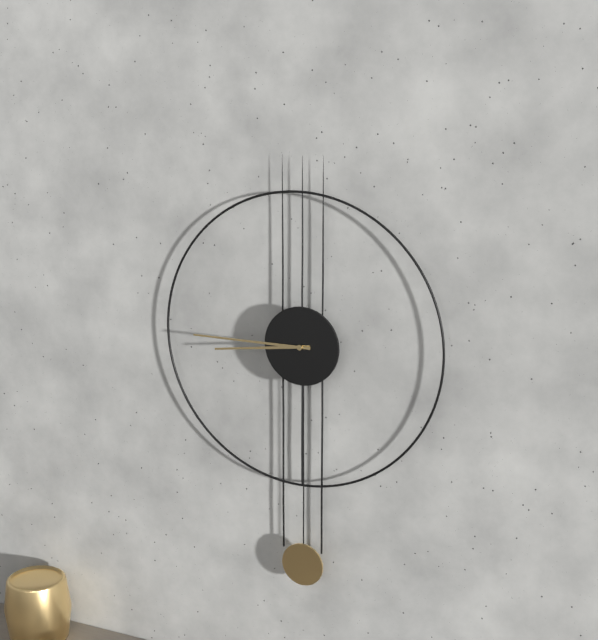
8:45
